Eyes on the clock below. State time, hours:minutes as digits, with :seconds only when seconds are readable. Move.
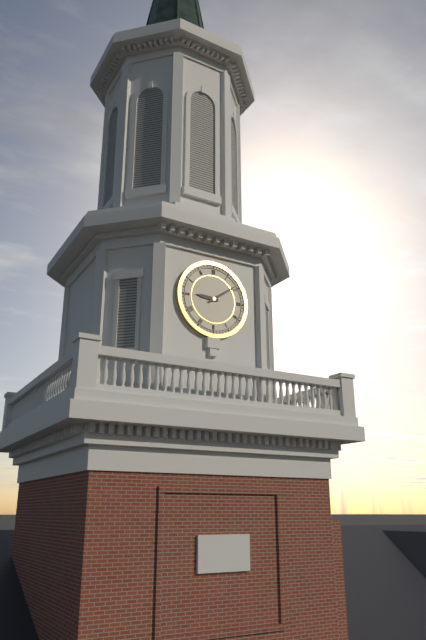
9:09
